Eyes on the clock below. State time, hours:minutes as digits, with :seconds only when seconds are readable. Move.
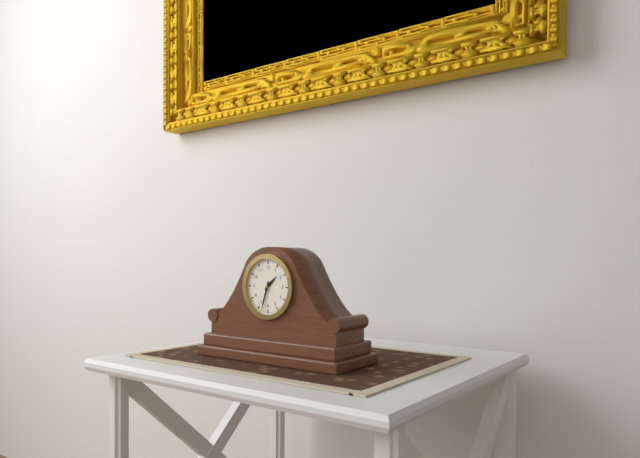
1:33
